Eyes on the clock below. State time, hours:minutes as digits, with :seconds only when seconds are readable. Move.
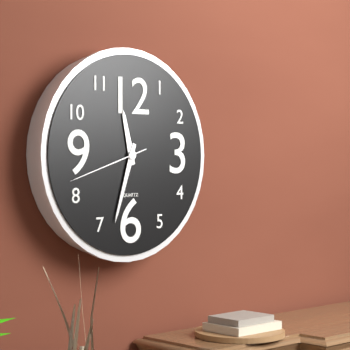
11:33:42
